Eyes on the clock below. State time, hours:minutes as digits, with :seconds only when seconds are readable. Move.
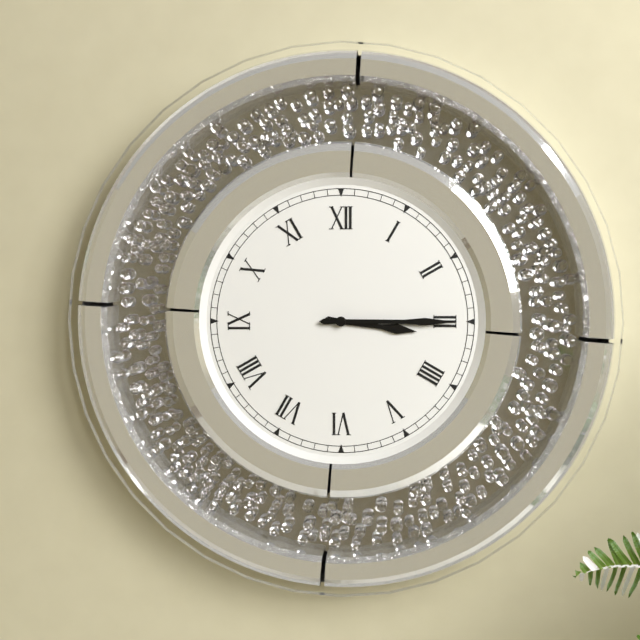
3:15
